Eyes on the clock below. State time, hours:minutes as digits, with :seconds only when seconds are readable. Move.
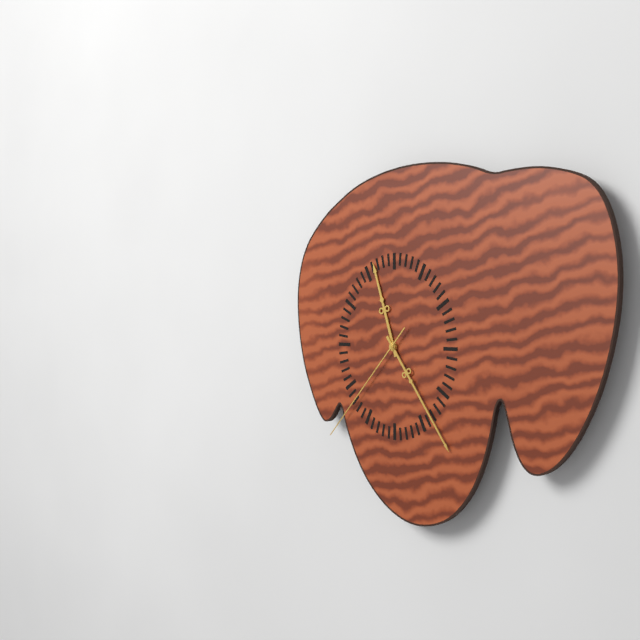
11:24:37
